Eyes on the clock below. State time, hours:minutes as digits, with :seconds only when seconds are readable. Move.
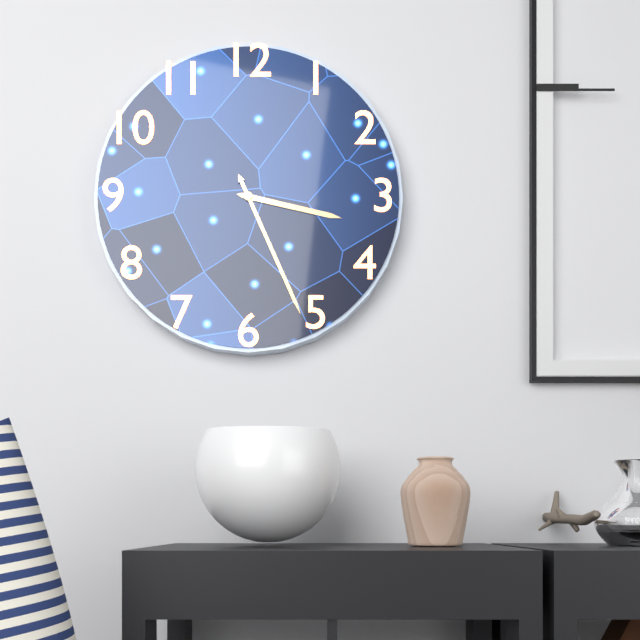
3:26
